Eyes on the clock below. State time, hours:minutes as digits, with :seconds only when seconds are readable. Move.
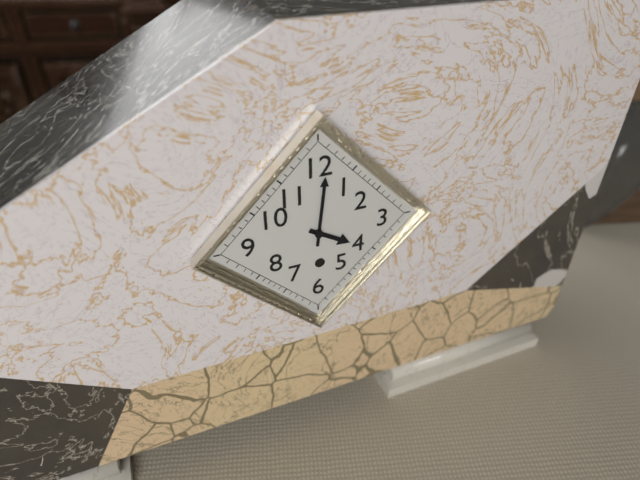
4:01
